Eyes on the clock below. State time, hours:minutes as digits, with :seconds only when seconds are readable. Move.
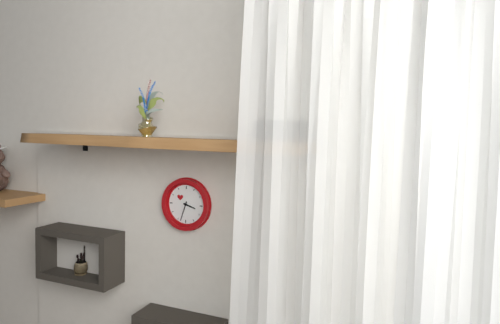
3:33
